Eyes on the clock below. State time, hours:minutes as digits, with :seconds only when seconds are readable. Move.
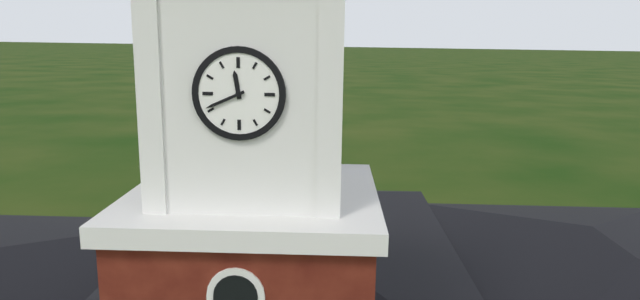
11:41
